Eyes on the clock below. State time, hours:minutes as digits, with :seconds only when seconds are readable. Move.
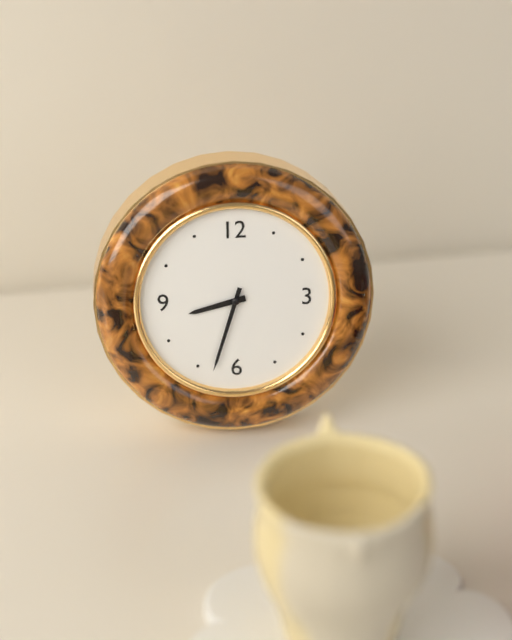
8:33
